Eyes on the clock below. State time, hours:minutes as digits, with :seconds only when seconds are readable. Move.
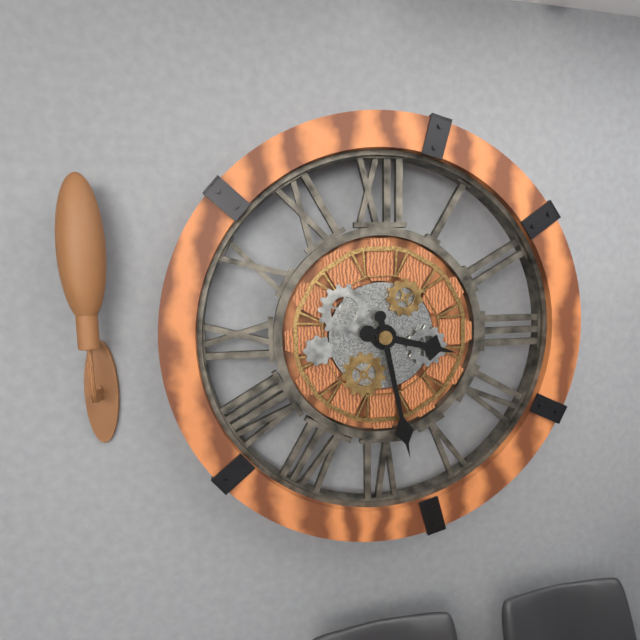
3:28
